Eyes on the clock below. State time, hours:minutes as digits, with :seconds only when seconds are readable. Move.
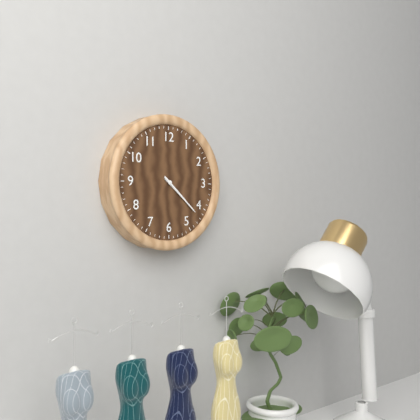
4:22
